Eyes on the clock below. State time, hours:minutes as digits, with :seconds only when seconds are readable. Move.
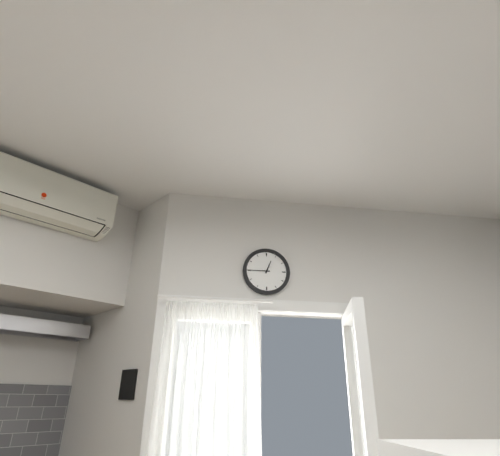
12:45
